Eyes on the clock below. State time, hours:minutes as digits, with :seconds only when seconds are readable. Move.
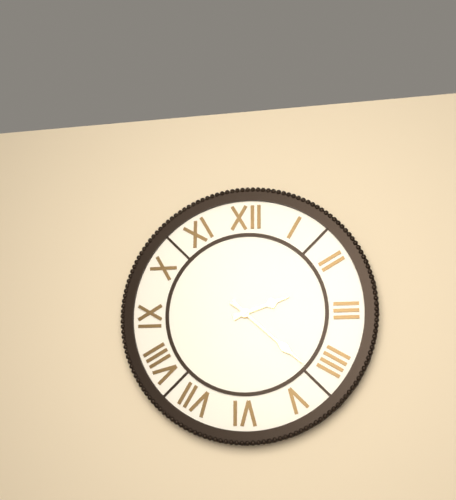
2:22
